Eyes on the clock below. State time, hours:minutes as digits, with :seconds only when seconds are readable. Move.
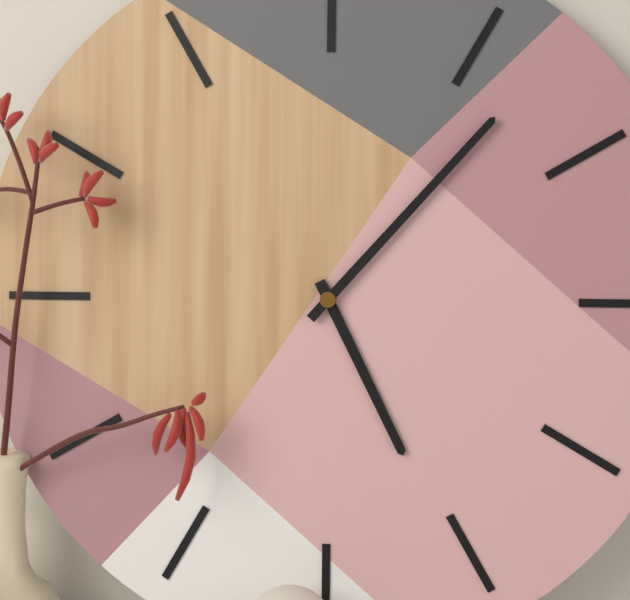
5:07
